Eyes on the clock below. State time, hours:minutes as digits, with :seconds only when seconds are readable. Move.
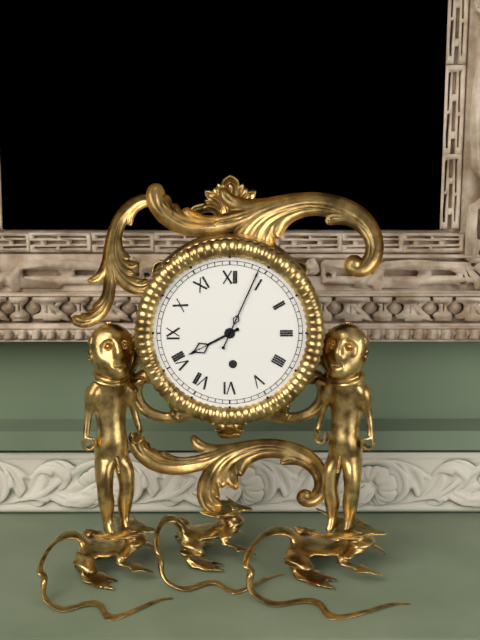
8:04
